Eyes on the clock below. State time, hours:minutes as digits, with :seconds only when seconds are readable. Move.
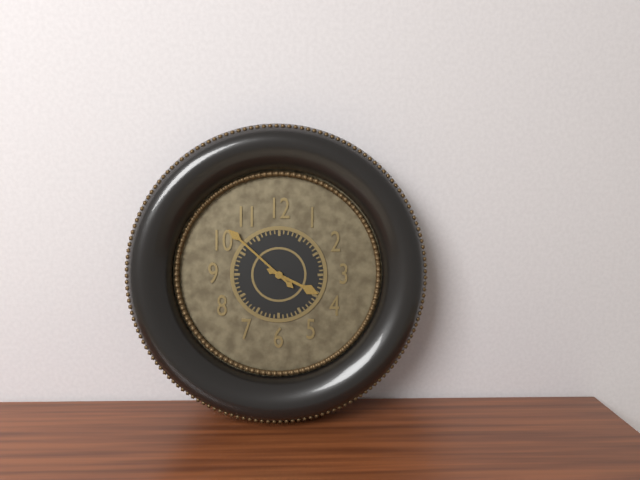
3:52
